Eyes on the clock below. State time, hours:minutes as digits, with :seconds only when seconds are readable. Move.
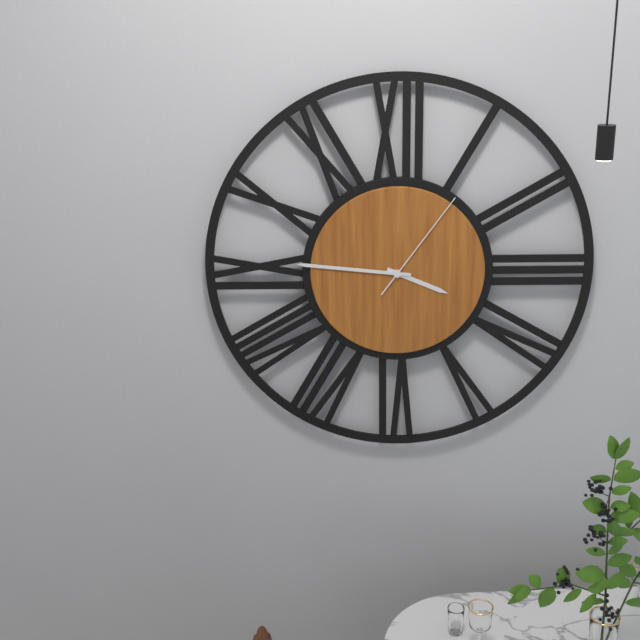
3:46:06
